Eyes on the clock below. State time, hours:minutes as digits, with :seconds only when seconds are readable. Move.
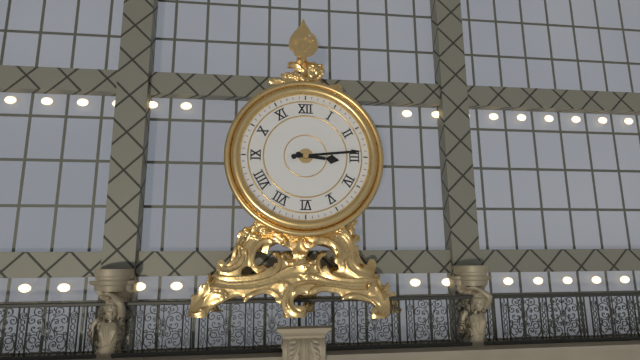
3:14
